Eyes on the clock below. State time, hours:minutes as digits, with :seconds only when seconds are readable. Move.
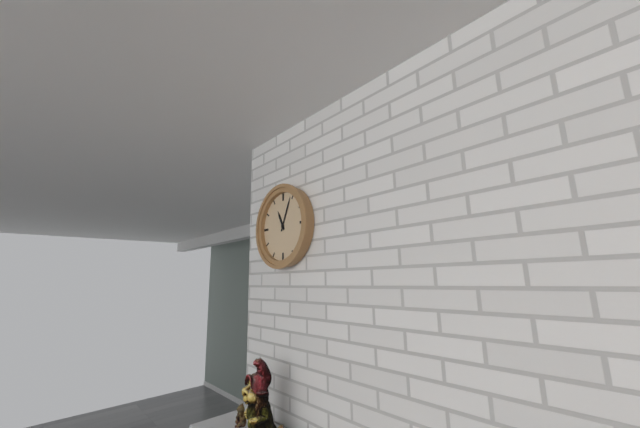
11:04
